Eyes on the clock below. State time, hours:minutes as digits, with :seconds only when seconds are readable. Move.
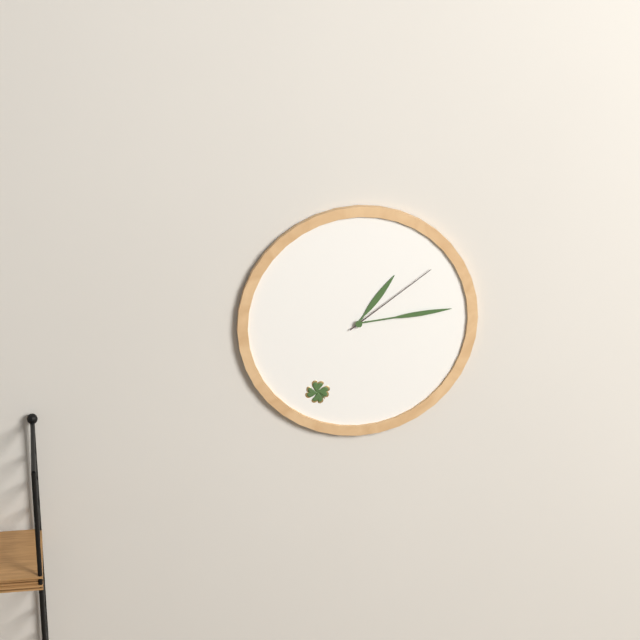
1:14:09
